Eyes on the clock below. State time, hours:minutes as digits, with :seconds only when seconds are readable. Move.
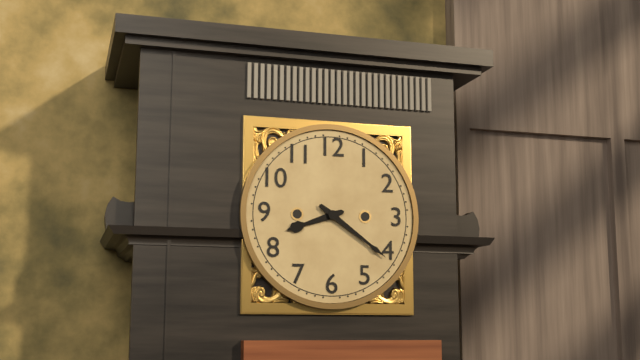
8:21
